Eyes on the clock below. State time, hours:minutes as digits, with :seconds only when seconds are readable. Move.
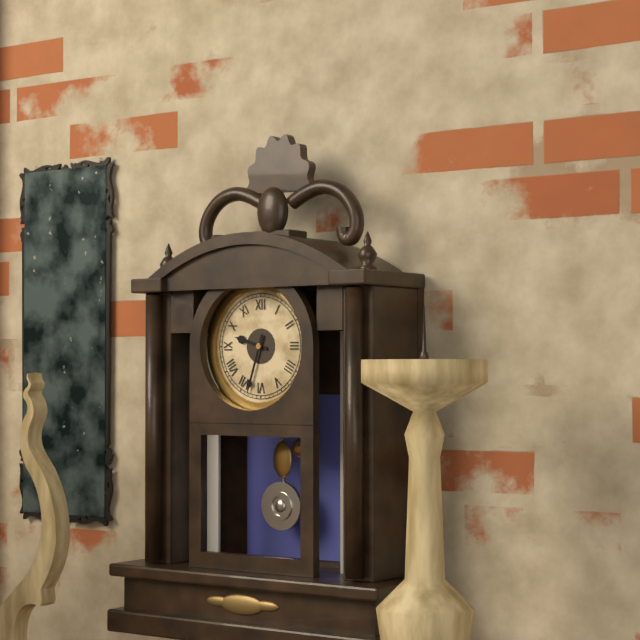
9:33
